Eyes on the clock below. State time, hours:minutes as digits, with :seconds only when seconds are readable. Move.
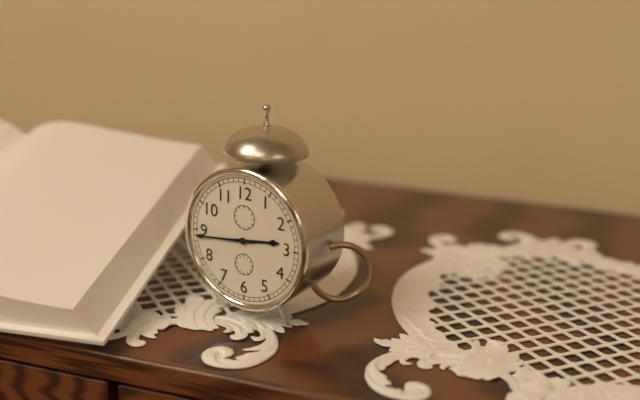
2:44
